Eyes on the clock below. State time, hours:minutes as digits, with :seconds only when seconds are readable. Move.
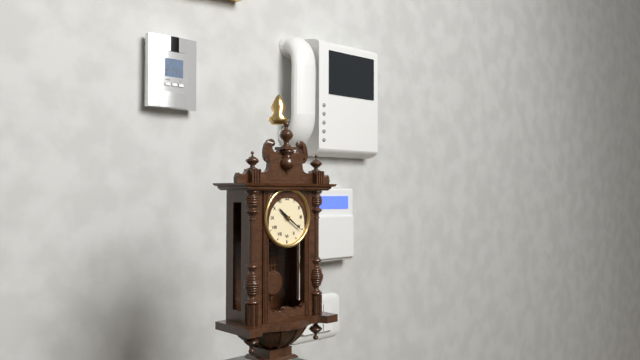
10:21
